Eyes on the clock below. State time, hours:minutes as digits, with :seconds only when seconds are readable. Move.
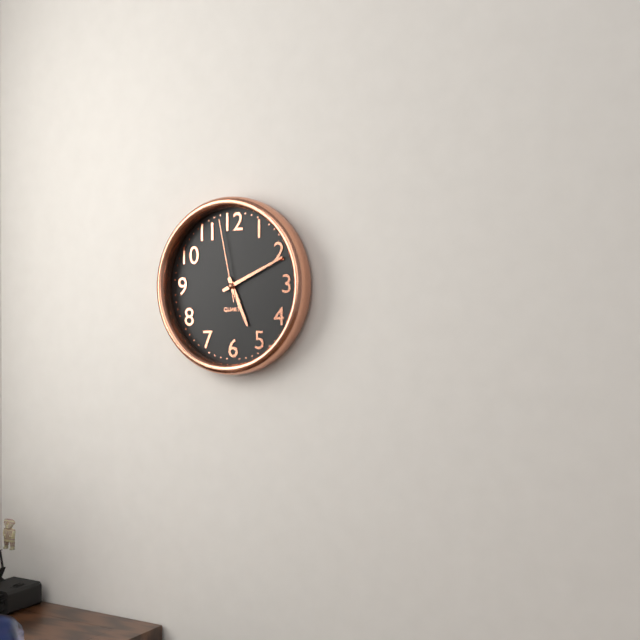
5:11:58
